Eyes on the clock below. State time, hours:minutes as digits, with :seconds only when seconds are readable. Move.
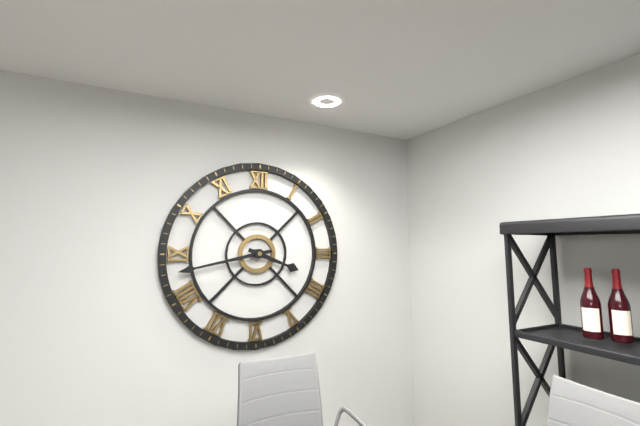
3:43
